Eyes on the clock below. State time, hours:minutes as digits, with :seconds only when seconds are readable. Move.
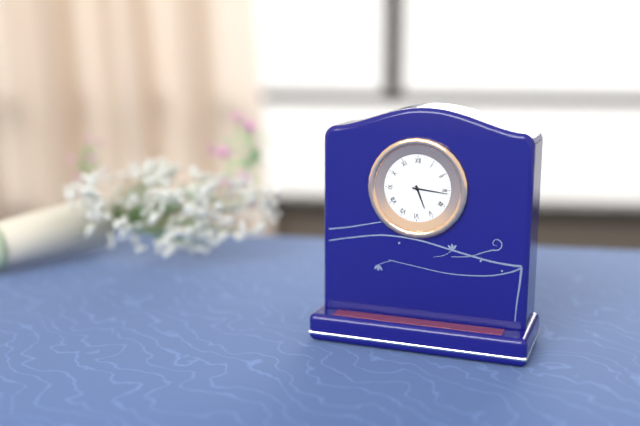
5:16
